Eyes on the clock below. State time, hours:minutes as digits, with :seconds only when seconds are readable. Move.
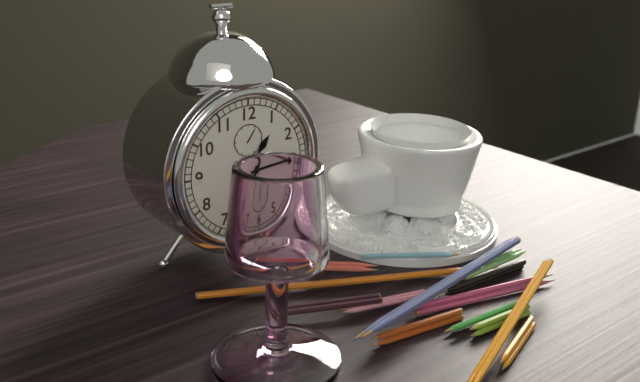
1:15
